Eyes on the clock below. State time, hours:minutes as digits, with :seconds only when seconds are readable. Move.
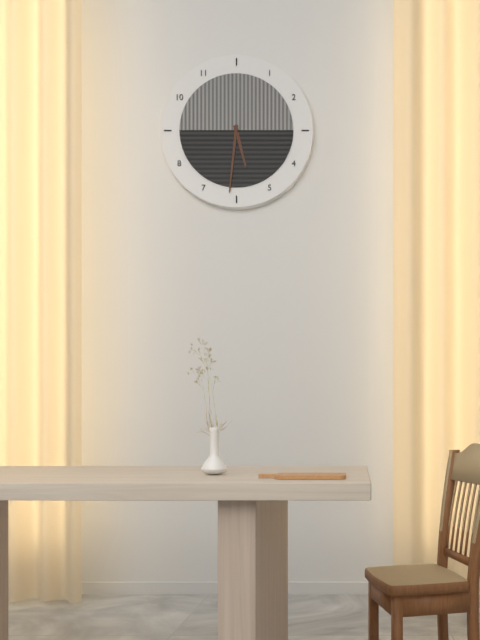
5:31
